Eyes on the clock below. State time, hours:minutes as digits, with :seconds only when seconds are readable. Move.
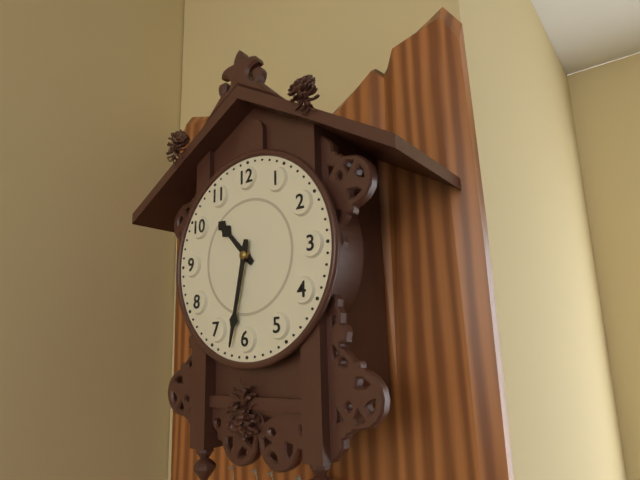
10:32
